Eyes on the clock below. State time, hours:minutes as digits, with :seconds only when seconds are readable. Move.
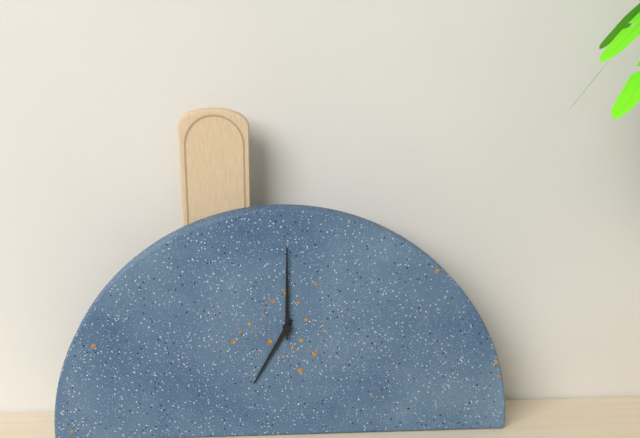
7:00
